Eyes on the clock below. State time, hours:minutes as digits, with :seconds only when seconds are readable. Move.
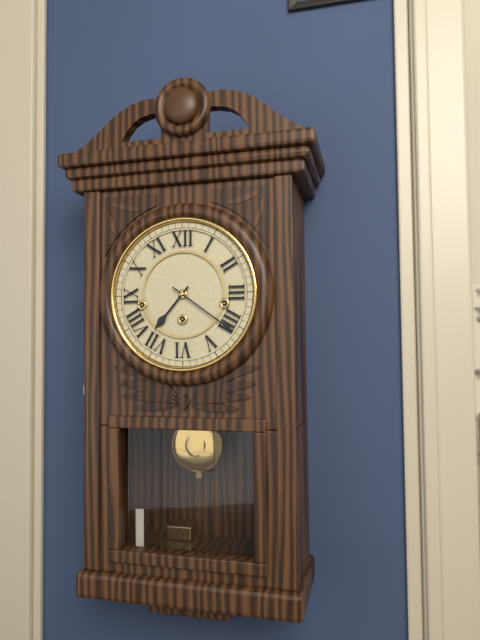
7:21
